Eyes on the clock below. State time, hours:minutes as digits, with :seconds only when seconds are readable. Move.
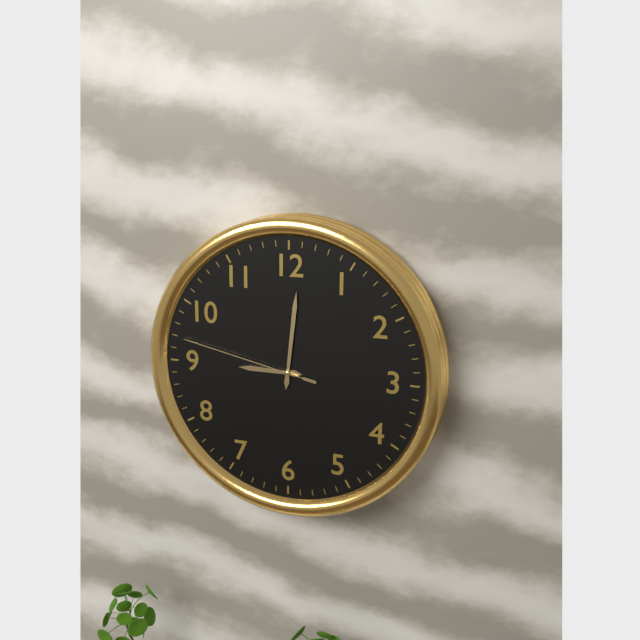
9:01:47
